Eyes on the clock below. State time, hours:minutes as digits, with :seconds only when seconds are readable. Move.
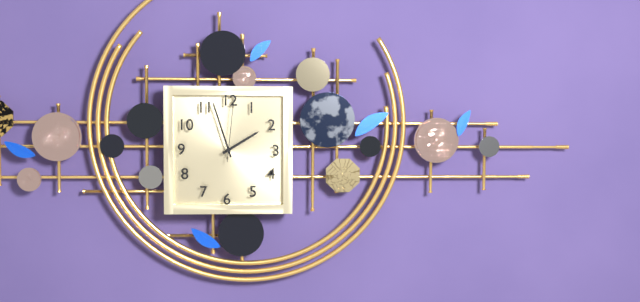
1:57:01
